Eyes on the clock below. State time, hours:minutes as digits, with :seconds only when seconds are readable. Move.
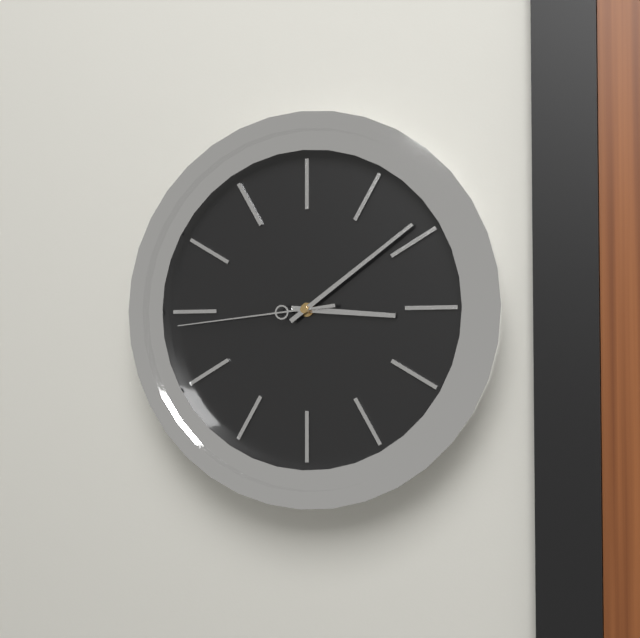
3:09:44
